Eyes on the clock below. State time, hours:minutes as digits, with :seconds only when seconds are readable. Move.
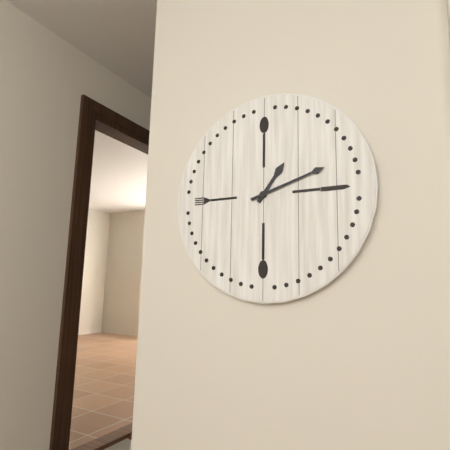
1:12
